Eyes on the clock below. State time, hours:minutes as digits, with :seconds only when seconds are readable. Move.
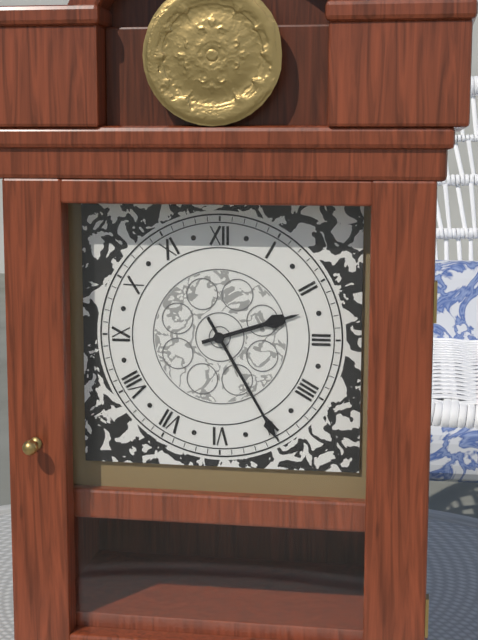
2:25
